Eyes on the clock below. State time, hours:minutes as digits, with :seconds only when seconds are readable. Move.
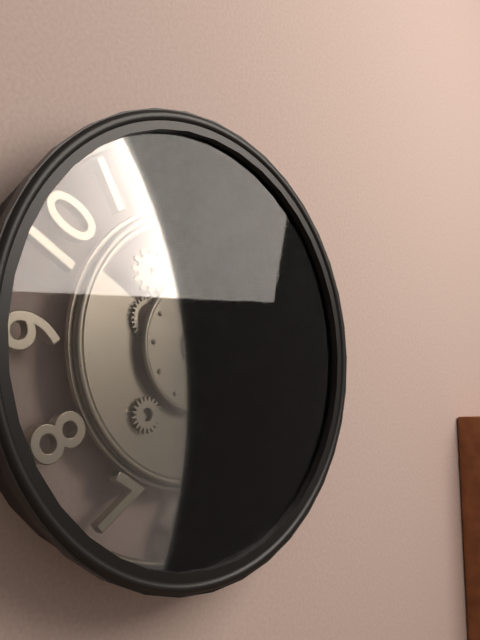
3:28:59
